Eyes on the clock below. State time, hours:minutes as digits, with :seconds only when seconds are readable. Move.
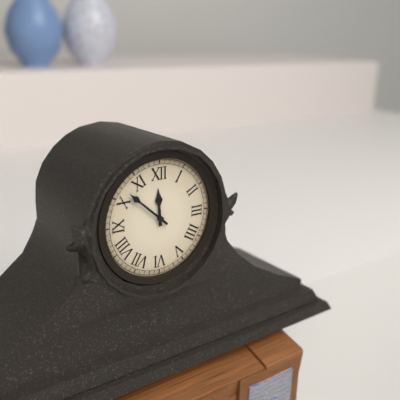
11:52
